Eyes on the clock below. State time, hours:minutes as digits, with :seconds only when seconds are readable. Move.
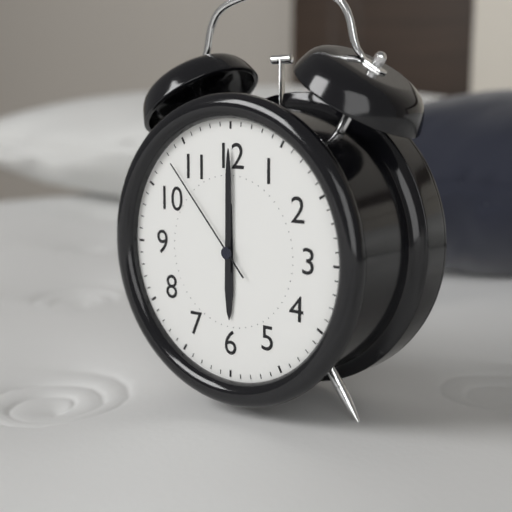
6:00:53
